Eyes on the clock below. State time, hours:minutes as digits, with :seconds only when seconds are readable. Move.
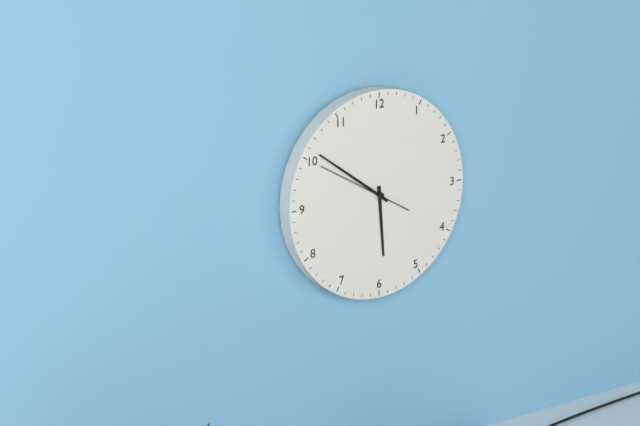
5:51:50
